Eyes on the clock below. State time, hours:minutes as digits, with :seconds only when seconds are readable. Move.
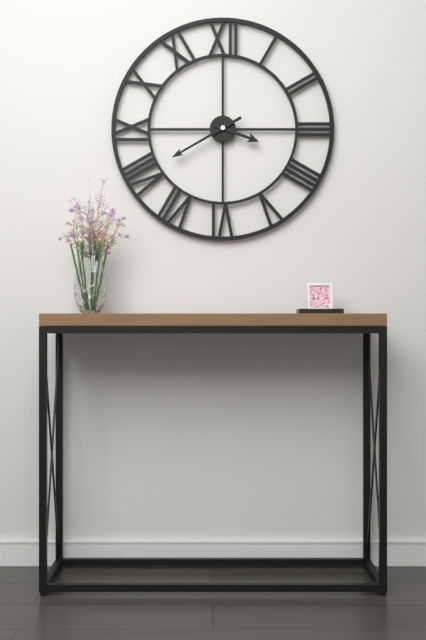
3:40
